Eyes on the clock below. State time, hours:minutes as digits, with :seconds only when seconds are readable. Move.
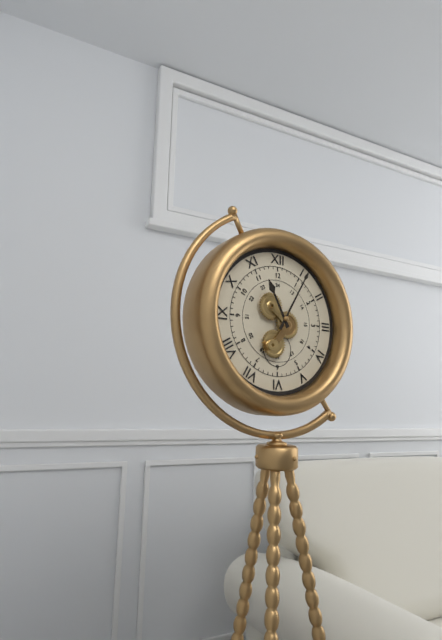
11:05
